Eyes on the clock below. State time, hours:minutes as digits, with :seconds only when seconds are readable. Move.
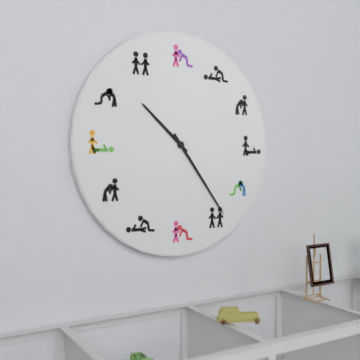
10:24
